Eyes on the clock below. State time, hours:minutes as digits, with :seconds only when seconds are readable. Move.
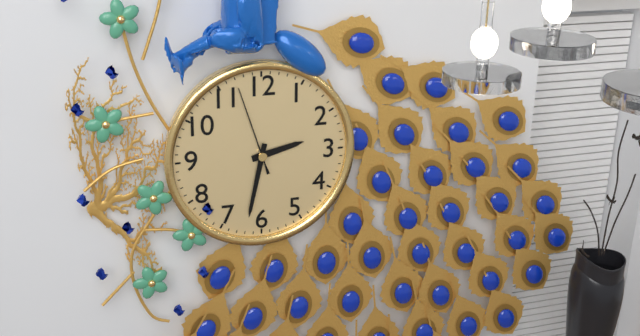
2:32:57
